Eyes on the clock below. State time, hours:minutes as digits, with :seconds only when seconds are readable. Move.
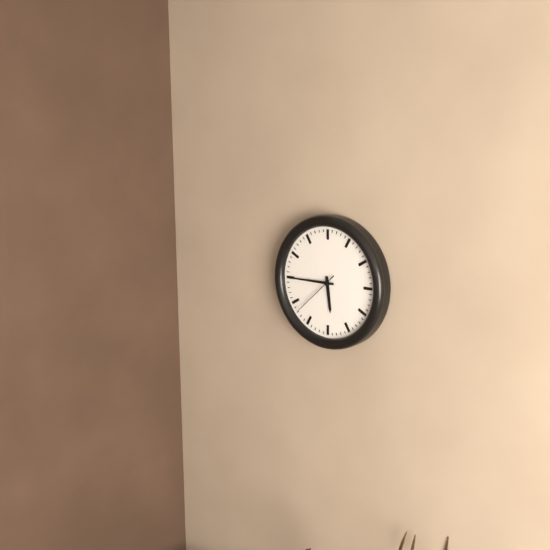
5:45:38
